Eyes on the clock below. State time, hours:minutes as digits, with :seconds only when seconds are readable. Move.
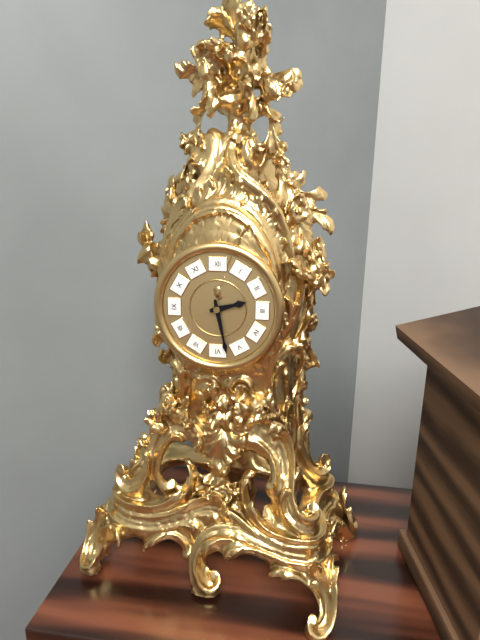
2:28
